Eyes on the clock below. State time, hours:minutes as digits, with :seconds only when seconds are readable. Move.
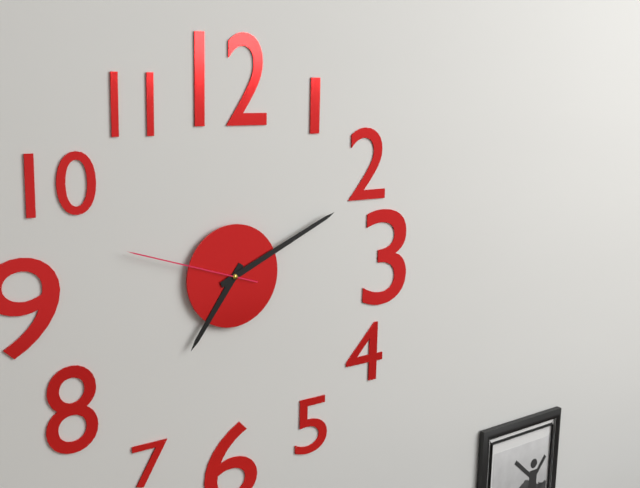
7:11:48
